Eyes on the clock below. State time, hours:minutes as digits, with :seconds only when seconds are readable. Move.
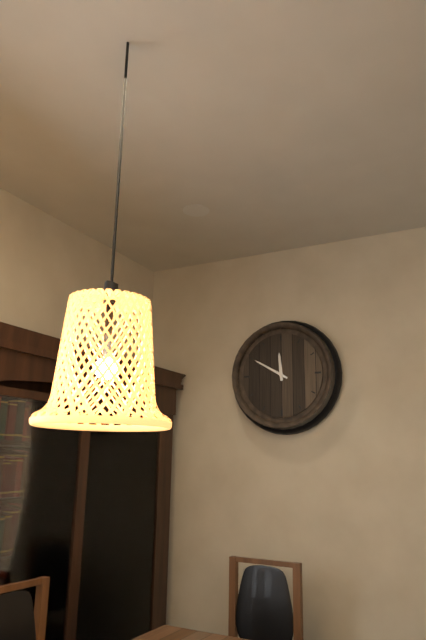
11:50
